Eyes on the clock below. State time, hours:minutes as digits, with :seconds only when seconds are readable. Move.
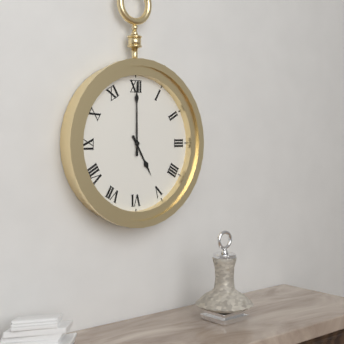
5:00
